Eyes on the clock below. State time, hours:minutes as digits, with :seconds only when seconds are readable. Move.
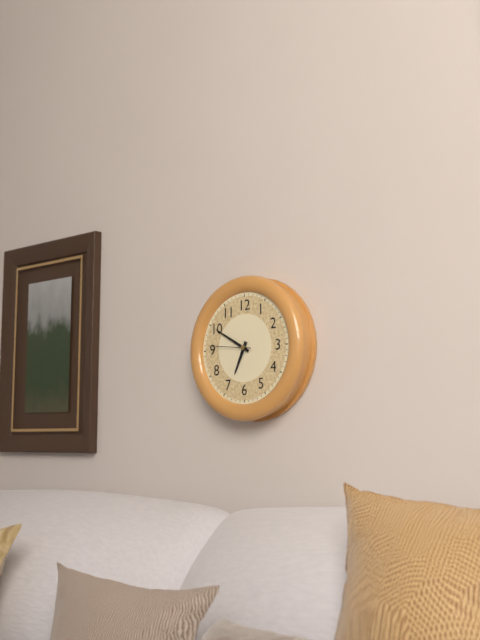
6:50
